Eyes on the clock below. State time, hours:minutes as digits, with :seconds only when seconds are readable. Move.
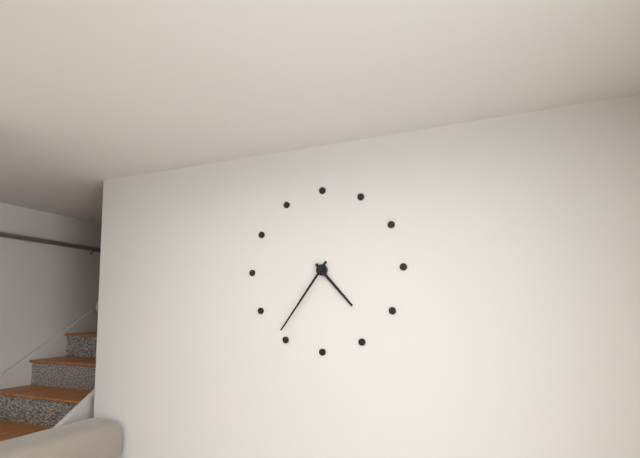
4:36
